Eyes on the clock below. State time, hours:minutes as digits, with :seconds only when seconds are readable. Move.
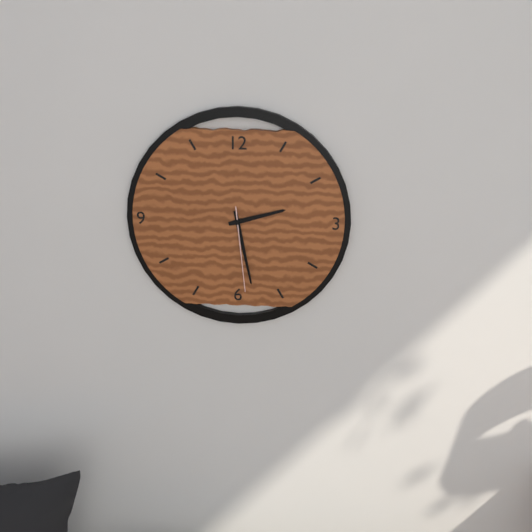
2:28:29
